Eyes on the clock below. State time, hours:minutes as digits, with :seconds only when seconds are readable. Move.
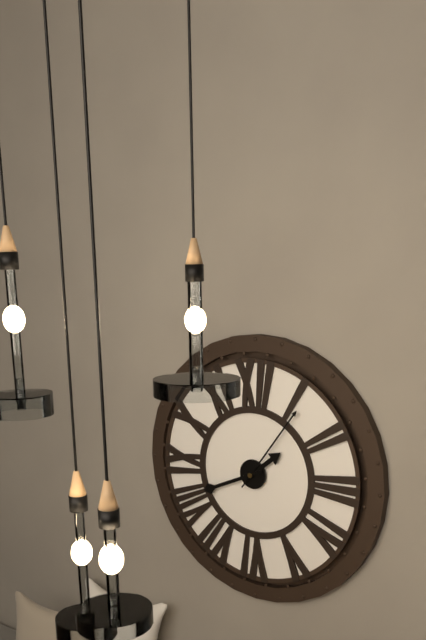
1:41:06
